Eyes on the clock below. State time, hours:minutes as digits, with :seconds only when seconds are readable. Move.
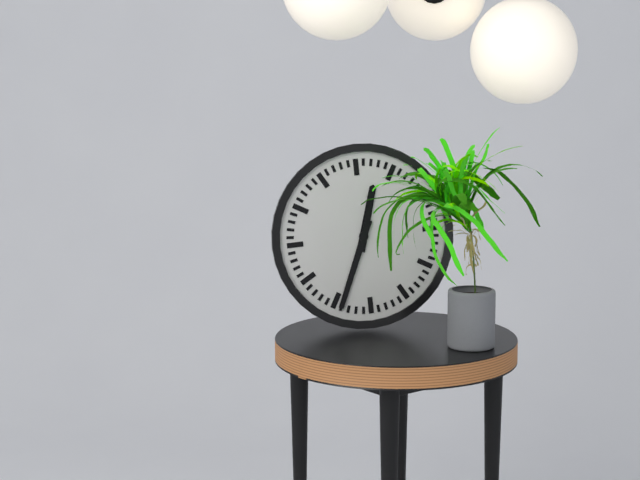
12:34
